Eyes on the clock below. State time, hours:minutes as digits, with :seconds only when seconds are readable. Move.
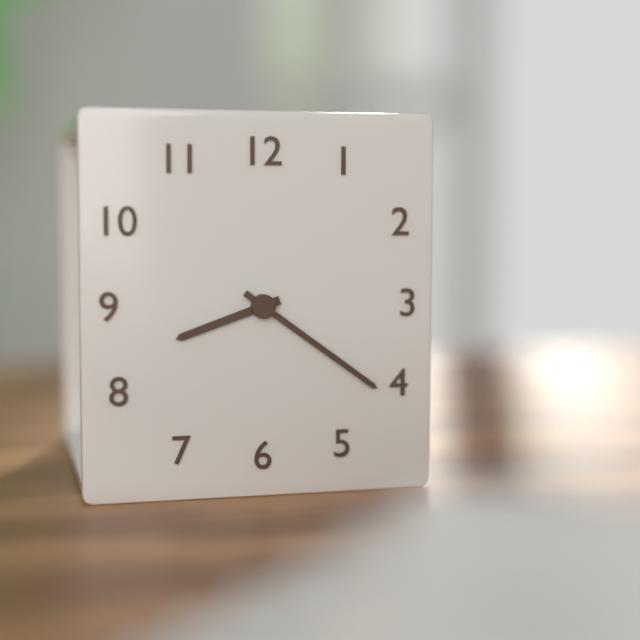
8:21
